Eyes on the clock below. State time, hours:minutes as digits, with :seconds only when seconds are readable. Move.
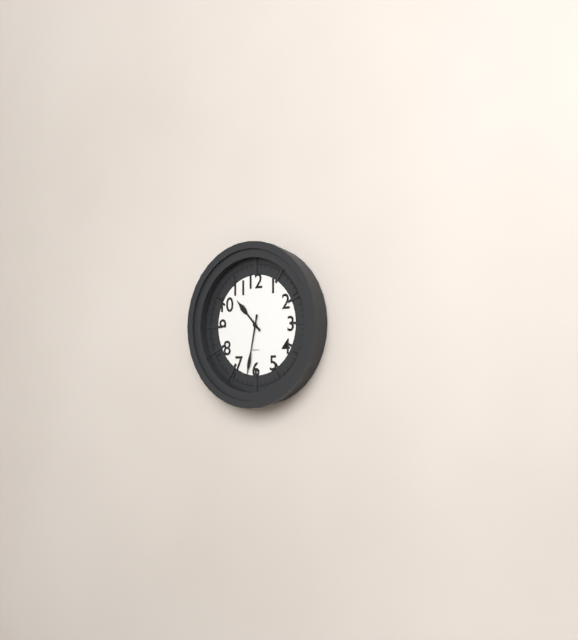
10:32
